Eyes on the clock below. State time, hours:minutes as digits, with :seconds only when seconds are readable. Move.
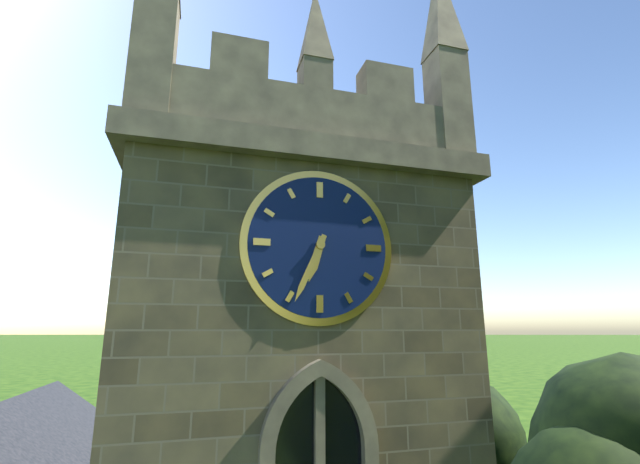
6:34
